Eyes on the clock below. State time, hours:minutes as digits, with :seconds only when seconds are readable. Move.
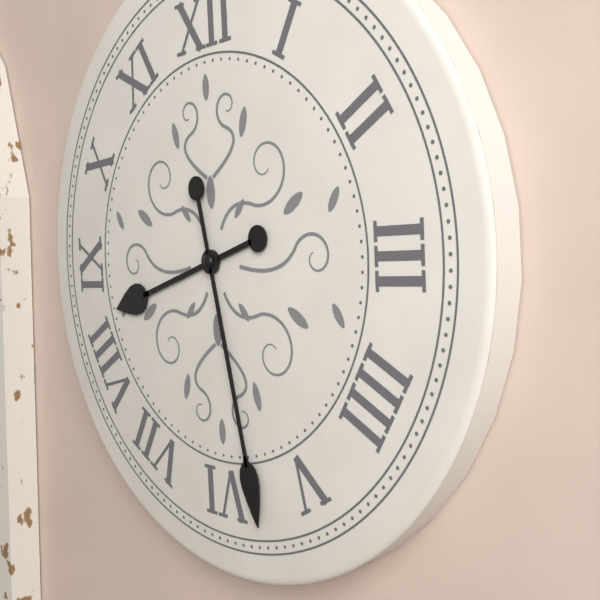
8:28
